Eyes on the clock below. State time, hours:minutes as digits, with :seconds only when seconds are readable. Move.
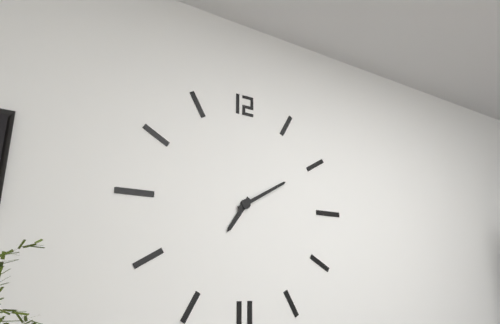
7:10
